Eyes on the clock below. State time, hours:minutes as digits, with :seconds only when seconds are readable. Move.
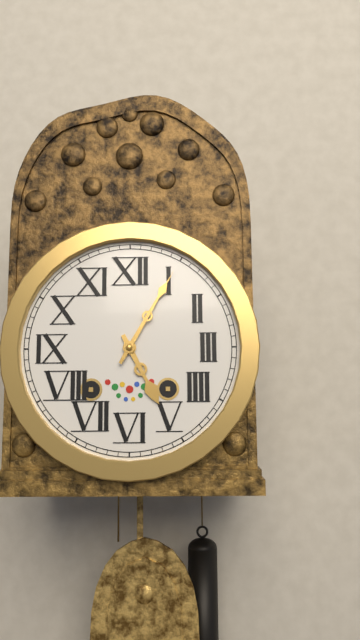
5:05
